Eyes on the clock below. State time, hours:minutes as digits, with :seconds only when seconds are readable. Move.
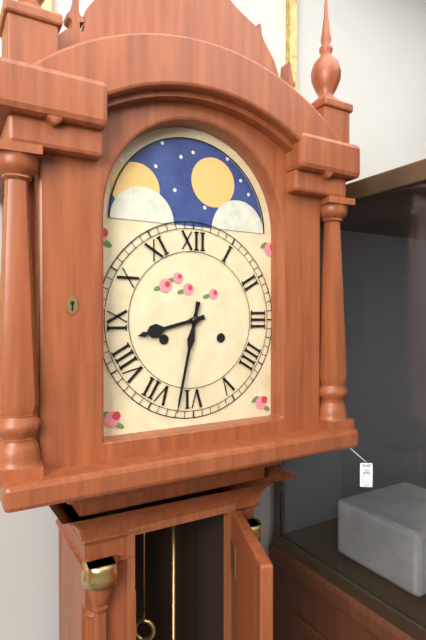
8:32
